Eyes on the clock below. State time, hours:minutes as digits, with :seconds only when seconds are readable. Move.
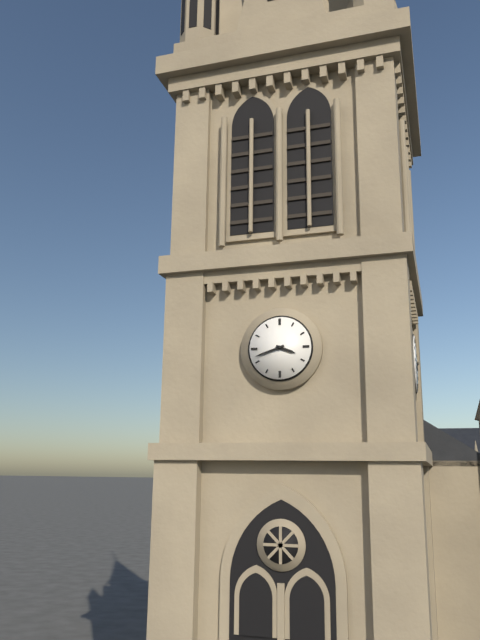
3:42
